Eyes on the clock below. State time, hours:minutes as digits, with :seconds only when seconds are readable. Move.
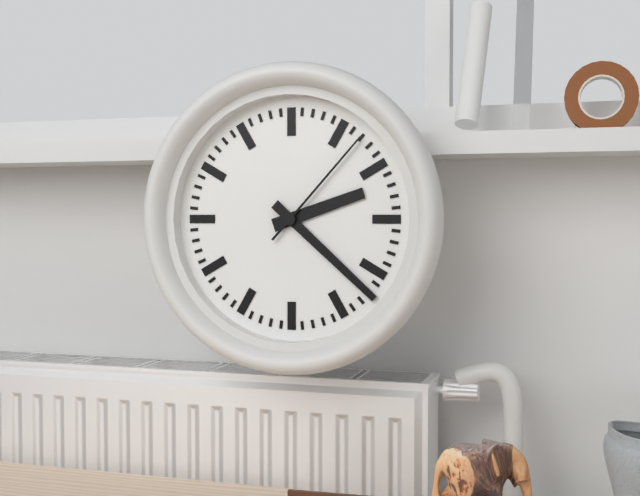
2:22:07
